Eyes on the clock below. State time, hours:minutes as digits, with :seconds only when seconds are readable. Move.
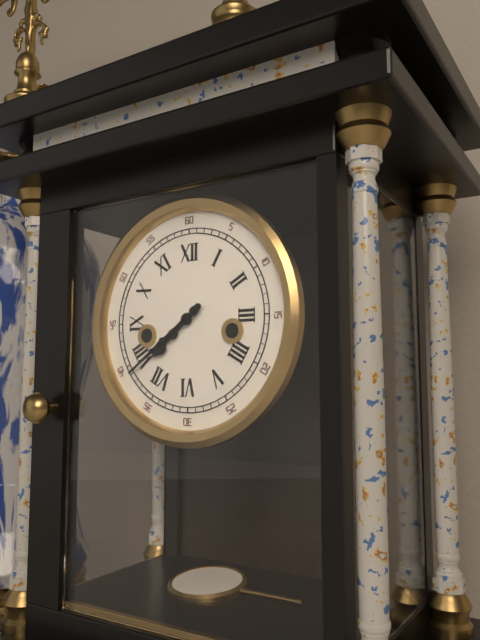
7:39
